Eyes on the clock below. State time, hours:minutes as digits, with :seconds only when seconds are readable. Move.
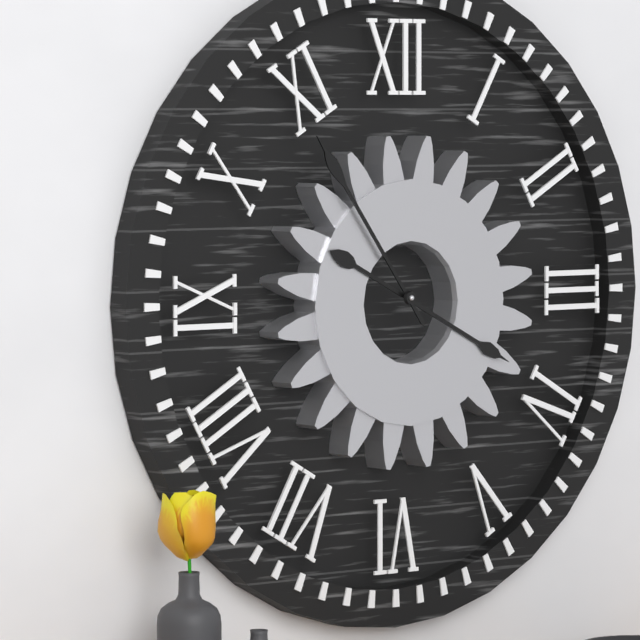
3:54
